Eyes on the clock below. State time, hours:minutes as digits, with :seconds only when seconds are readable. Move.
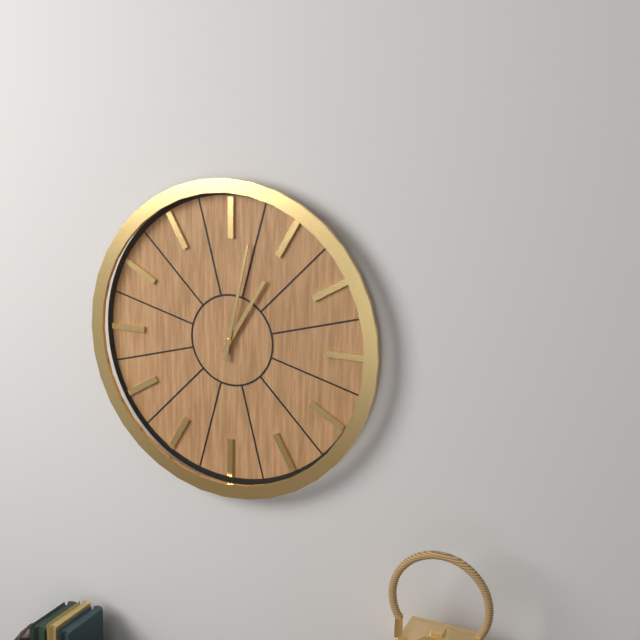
1:02
